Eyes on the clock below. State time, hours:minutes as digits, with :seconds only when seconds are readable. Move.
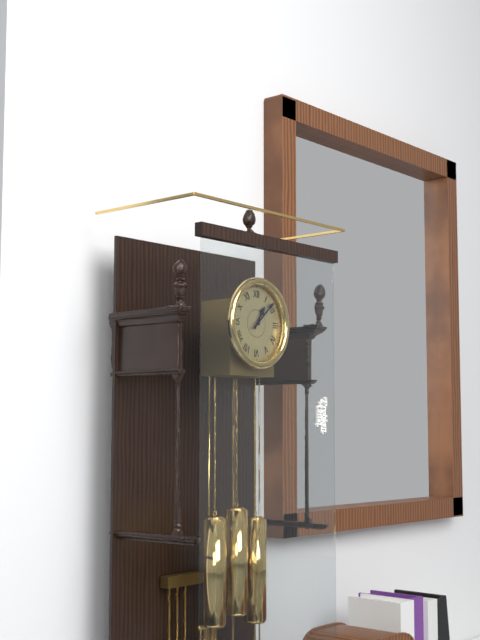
1:08
